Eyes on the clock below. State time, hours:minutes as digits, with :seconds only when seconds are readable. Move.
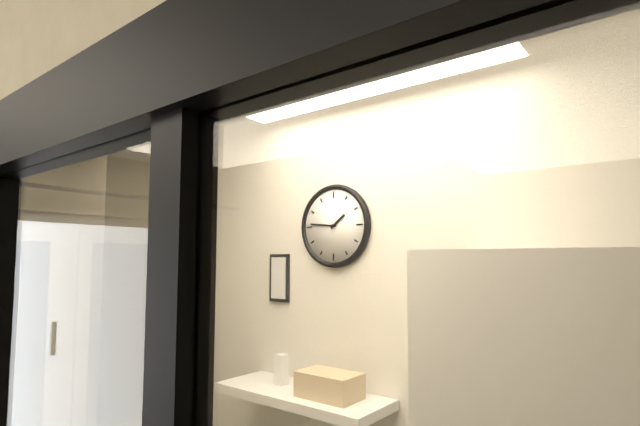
1:46
